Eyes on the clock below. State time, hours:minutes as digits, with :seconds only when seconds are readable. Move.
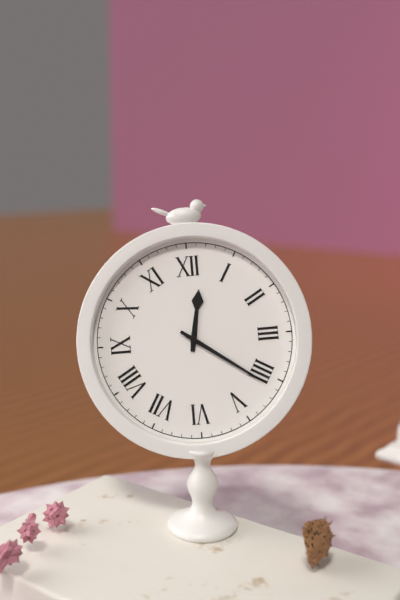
12:21
